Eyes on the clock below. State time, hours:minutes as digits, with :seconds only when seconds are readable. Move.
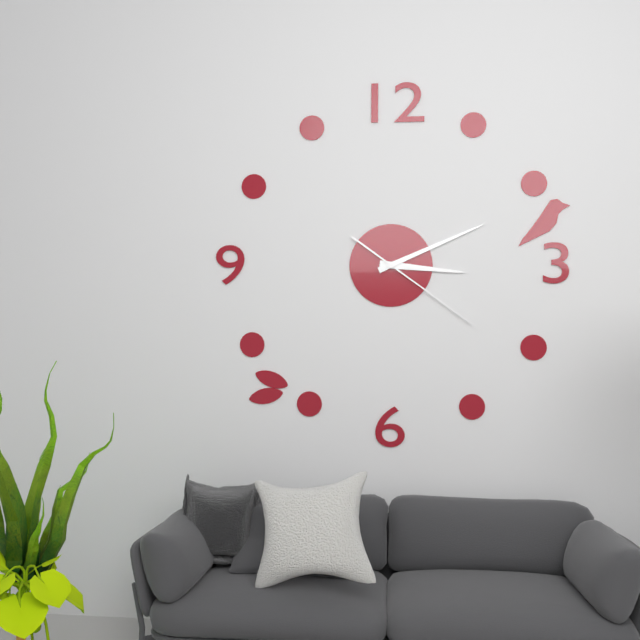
3:11:21
